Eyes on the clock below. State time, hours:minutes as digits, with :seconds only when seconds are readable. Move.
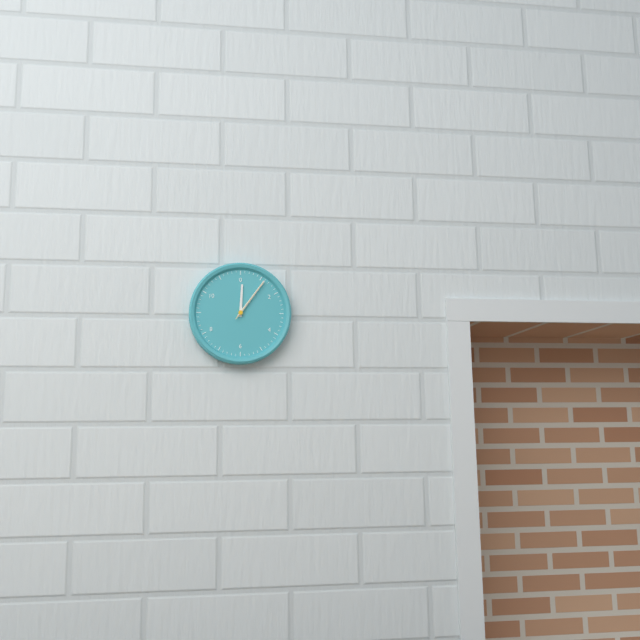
12:06:06
